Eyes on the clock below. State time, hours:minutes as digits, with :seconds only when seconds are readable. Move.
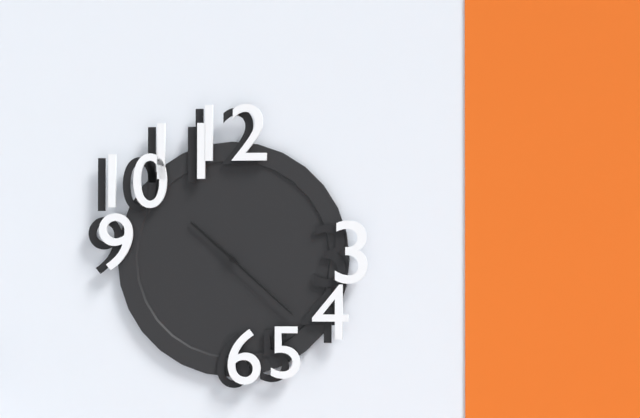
10:22
